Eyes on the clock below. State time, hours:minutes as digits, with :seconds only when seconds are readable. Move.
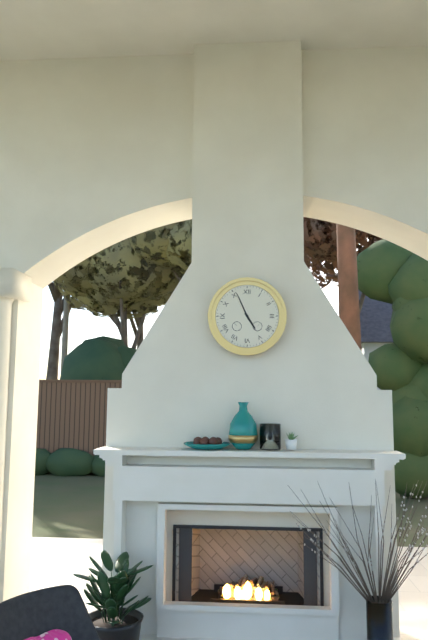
4:56
